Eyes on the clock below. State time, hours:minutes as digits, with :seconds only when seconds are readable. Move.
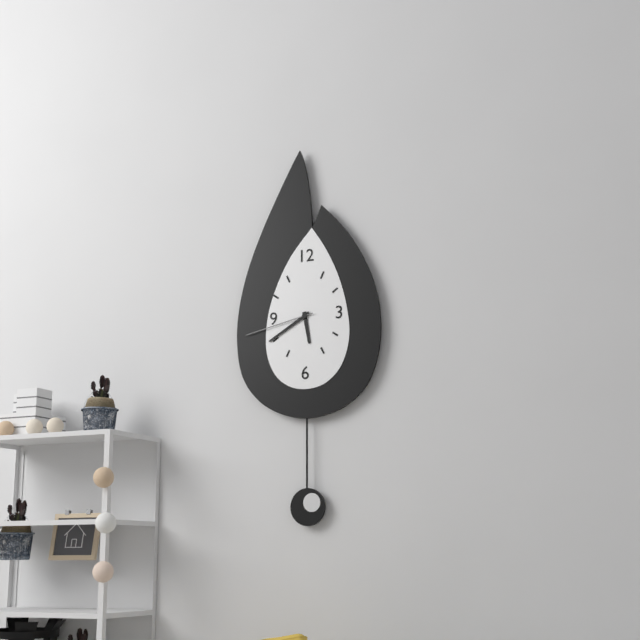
5:40:43
